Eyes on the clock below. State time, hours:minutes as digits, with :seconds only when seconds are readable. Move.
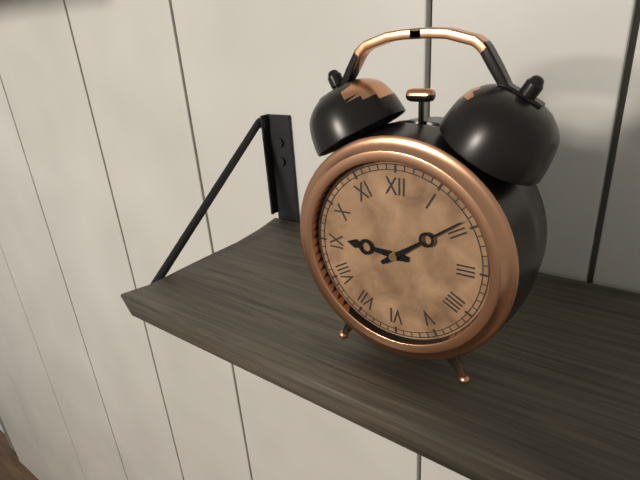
9:09
